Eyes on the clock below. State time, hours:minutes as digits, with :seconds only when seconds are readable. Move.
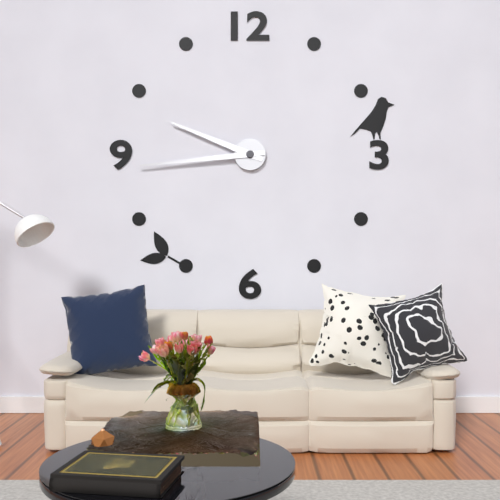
9:44
